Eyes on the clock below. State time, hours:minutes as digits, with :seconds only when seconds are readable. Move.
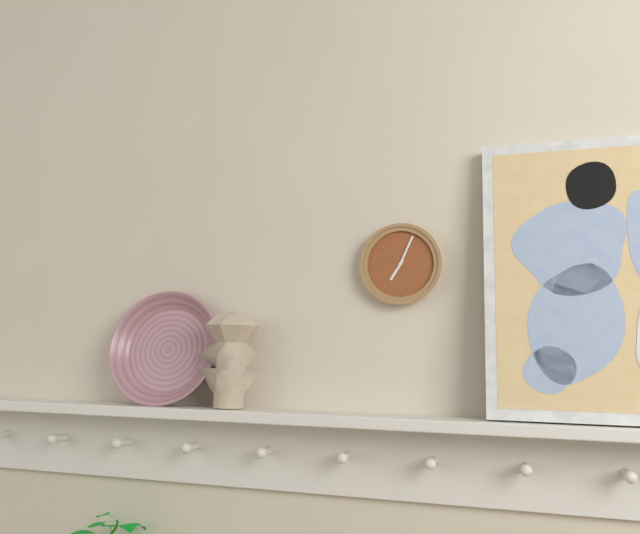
7:04
